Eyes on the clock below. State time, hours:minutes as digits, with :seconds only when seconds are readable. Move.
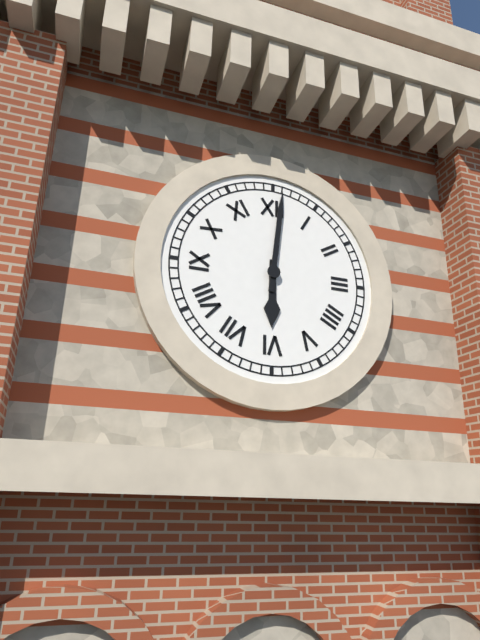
6:01
